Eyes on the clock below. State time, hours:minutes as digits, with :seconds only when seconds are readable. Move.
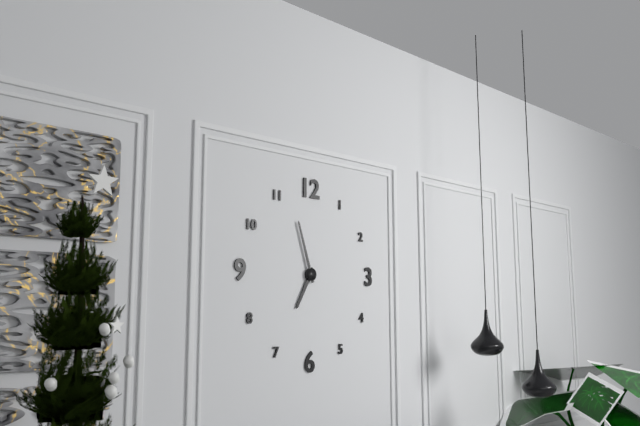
6:57
